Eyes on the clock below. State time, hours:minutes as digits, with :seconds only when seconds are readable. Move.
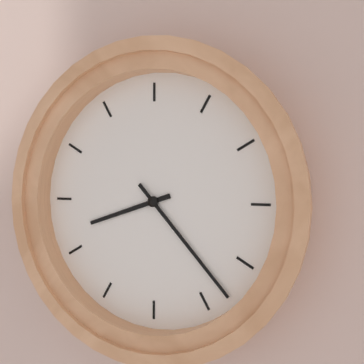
8:23
